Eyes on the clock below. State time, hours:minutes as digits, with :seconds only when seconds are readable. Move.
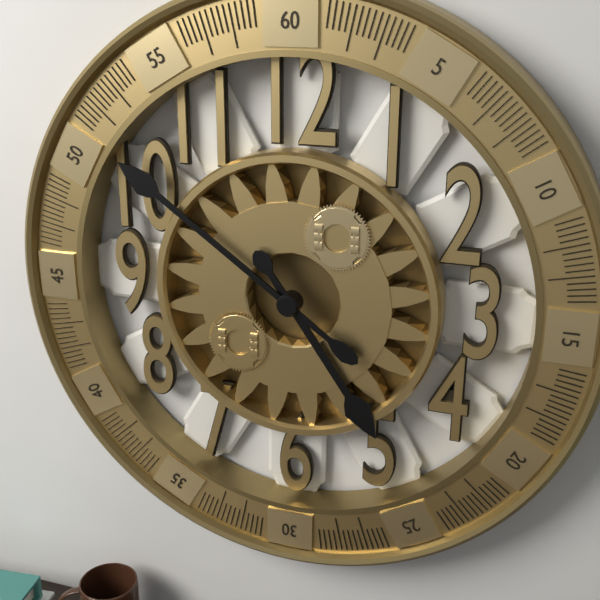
4:51
